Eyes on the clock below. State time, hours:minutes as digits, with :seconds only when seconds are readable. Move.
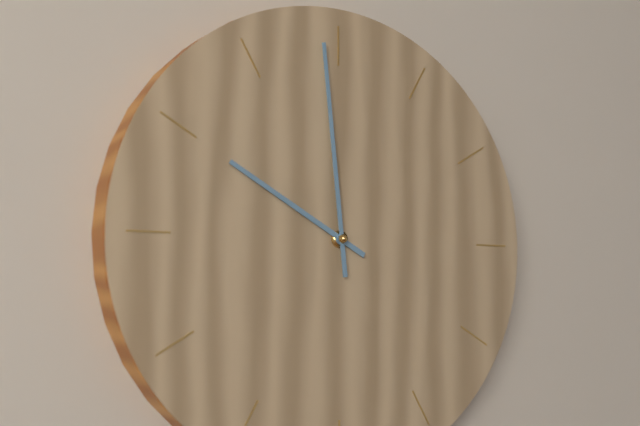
9:59
